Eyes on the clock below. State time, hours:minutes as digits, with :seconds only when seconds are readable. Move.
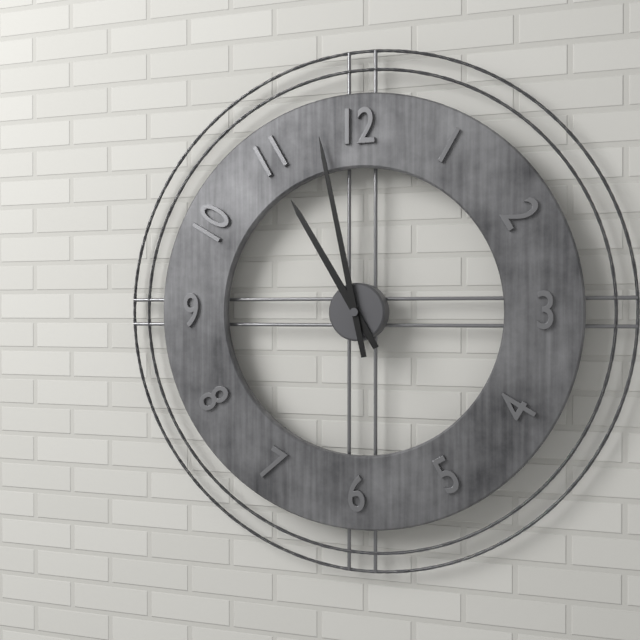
10:58
